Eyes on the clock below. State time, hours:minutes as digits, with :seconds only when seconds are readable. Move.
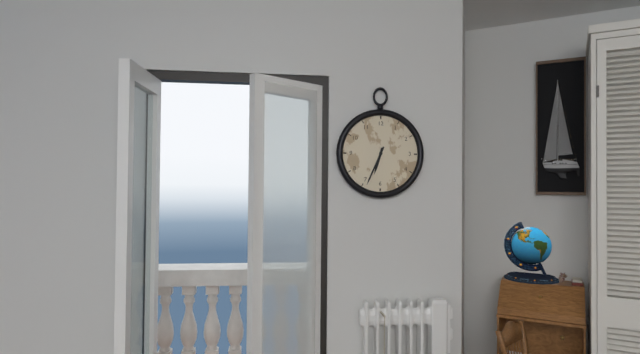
6:34
